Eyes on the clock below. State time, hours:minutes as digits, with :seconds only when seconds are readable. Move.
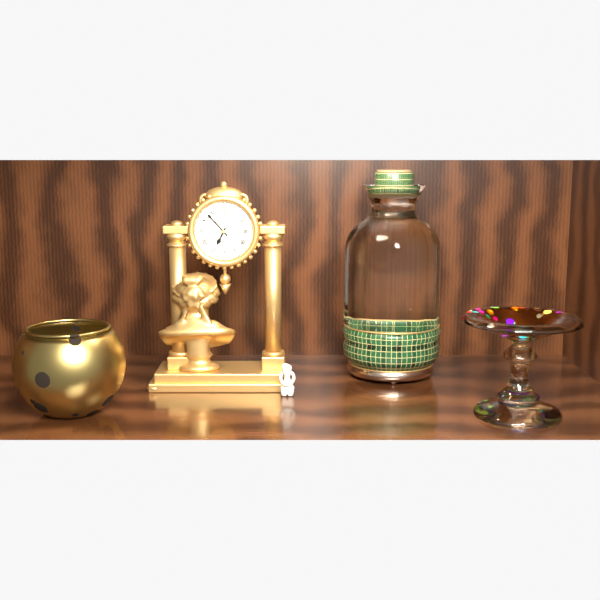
6:53
